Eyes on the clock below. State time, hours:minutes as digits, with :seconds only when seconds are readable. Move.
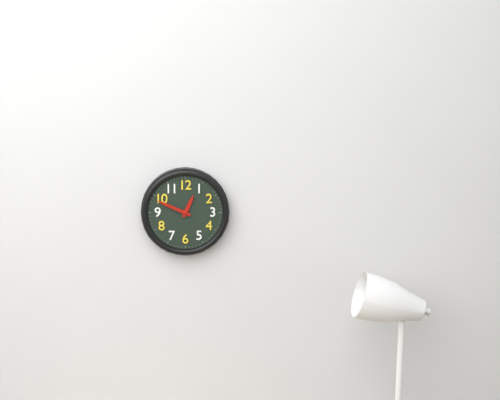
12:49
